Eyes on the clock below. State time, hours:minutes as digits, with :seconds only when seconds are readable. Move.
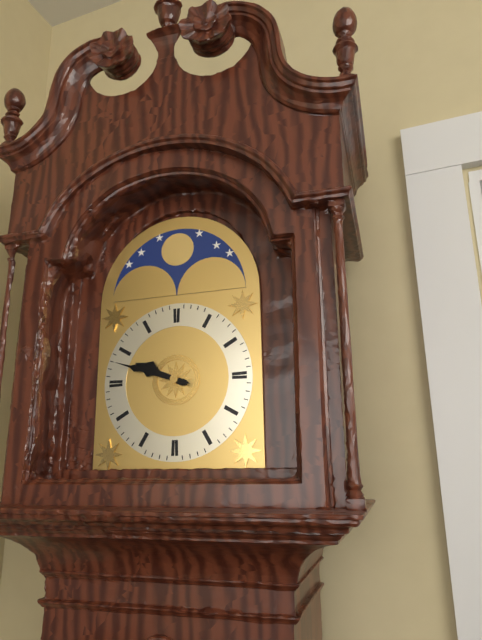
9:48
